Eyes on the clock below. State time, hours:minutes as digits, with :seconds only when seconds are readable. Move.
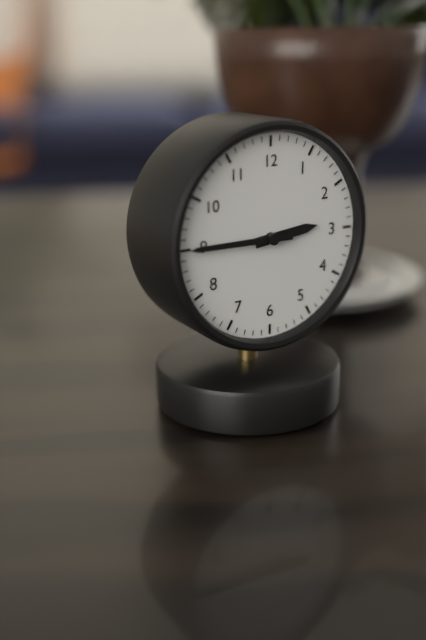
2:45
